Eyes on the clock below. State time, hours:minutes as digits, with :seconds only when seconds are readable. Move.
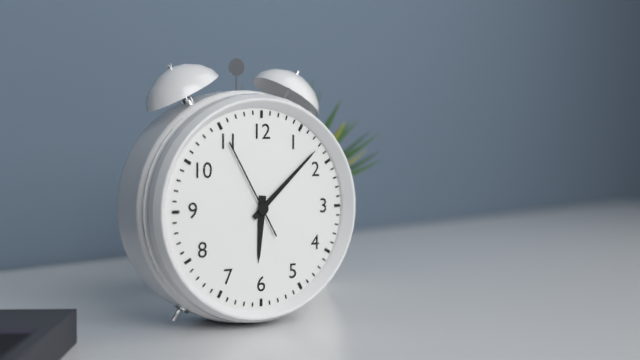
6:08:55
